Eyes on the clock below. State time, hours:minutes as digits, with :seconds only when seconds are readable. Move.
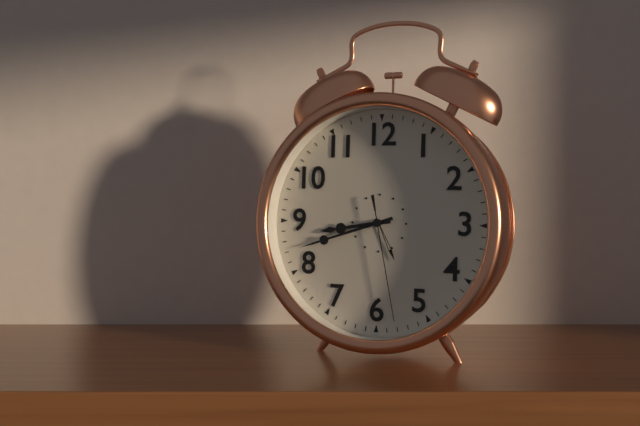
8:42:28
